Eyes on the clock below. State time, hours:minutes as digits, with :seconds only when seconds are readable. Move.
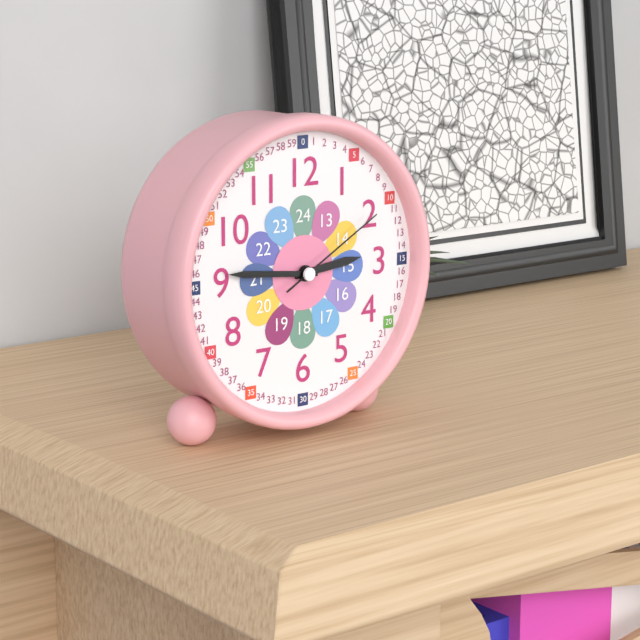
2:46:10
